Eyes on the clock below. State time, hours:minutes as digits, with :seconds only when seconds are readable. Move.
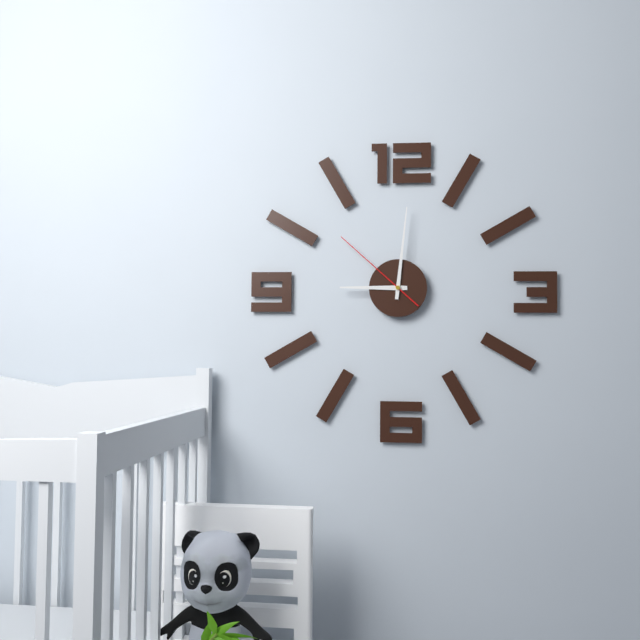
9:01:52
